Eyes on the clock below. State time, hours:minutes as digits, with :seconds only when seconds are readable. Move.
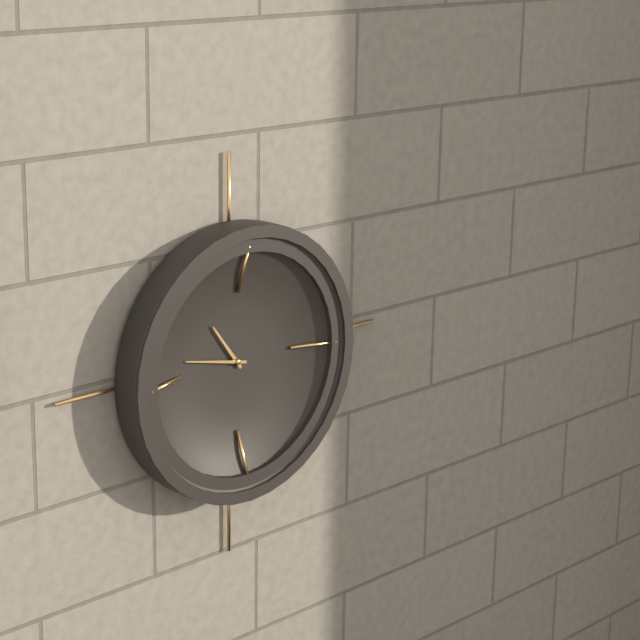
10:47
